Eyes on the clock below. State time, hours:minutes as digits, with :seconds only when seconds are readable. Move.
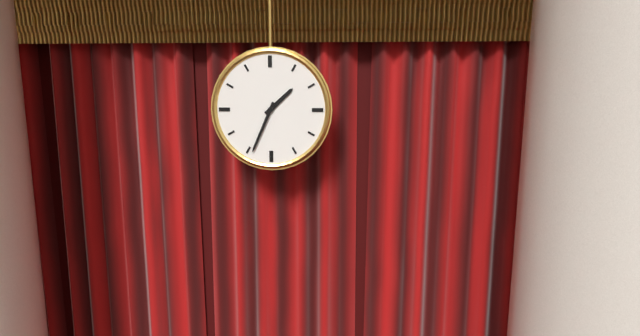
1:34
